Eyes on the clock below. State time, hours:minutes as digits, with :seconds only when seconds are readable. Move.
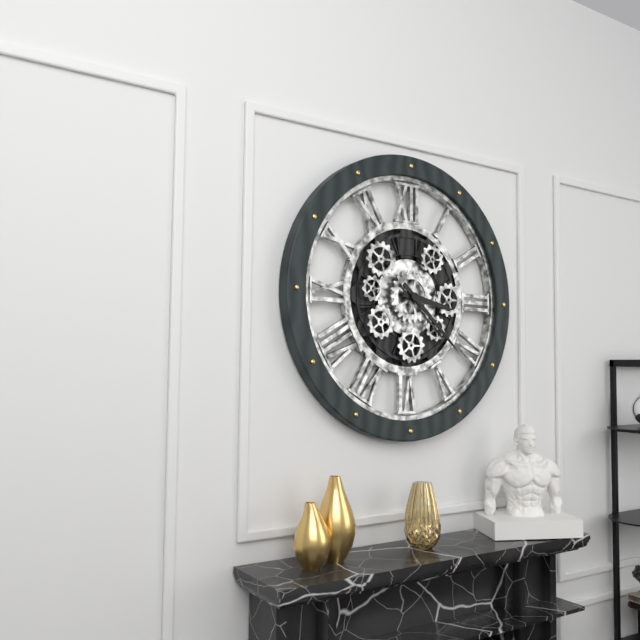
3:22
